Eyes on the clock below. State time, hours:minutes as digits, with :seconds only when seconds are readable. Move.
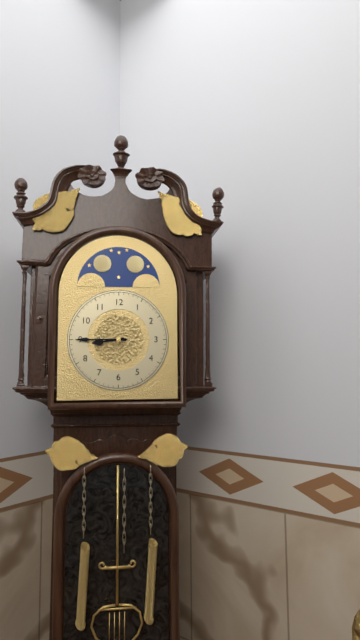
8:45
